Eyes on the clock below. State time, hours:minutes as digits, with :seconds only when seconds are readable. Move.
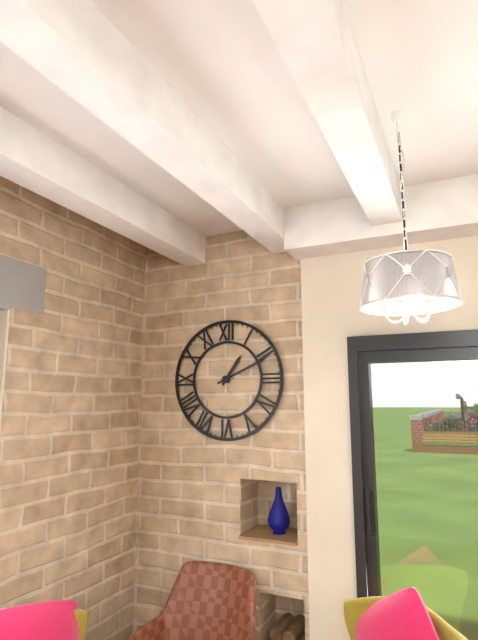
1:11
